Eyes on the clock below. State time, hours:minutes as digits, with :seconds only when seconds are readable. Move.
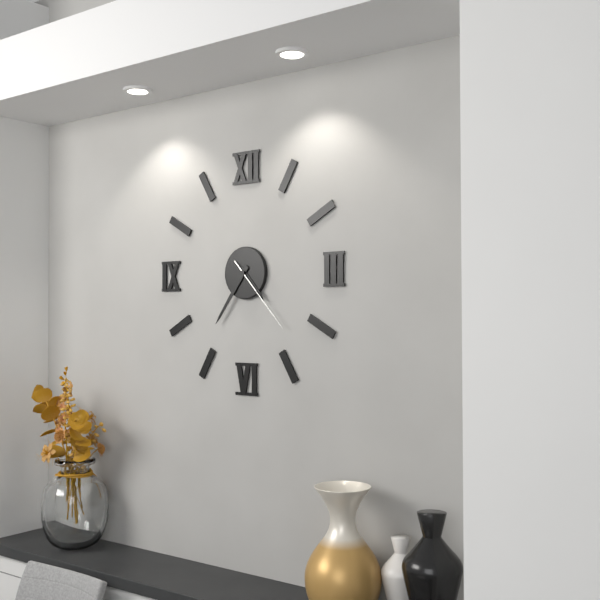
4:36:23
